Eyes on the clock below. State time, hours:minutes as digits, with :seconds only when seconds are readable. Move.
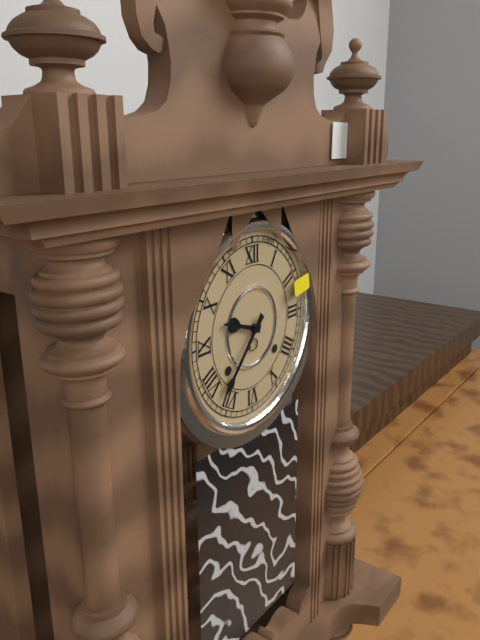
9:37
